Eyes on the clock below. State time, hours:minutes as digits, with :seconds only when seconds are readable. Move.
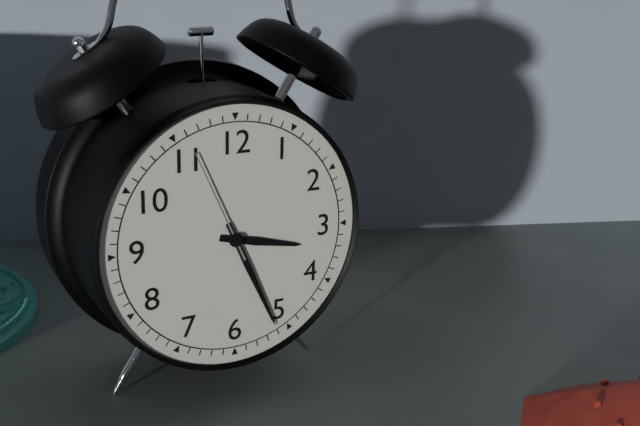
3:26:56
